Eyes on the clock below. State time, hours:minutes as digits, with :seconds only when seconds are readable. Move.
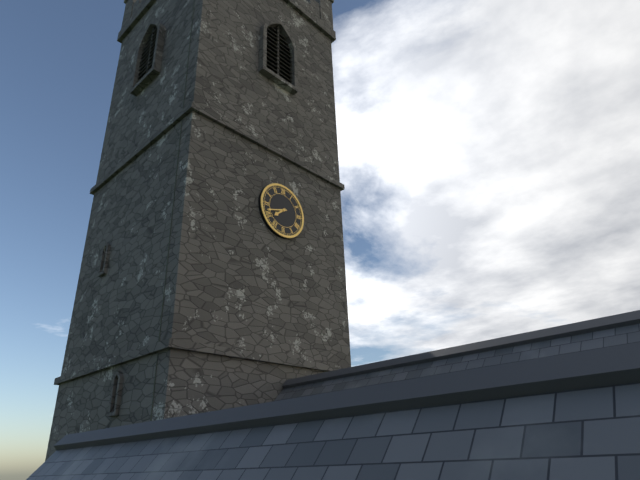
7:42
